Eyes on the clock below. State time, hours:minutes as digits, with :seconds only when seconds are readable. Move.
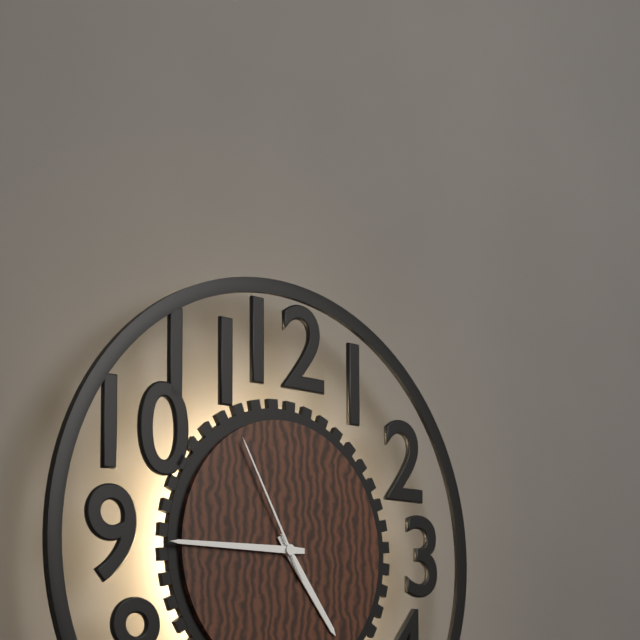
4:45:55
